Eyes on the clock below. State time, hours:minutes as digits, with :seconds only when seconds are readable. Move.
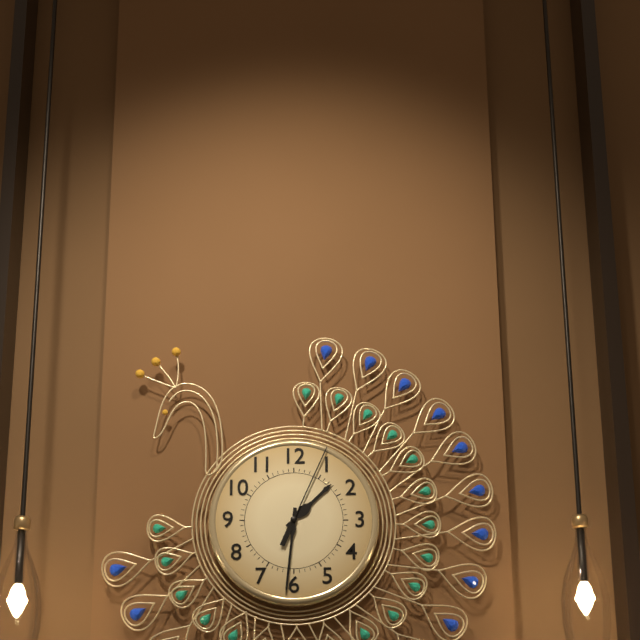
1:31:04
